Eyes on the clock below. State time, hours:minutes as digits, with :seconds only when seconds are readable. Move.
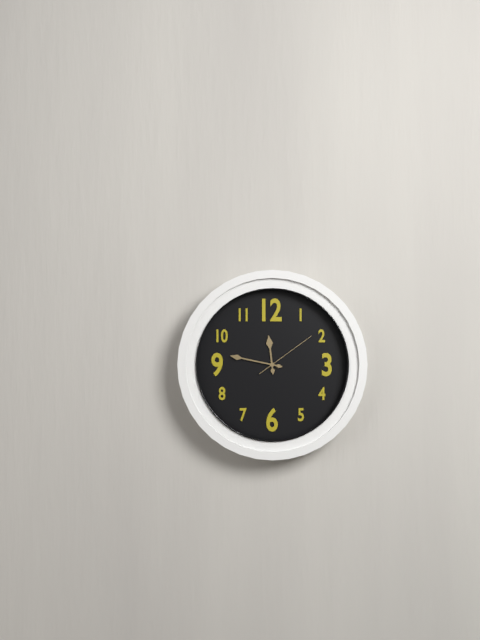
11:47:09
